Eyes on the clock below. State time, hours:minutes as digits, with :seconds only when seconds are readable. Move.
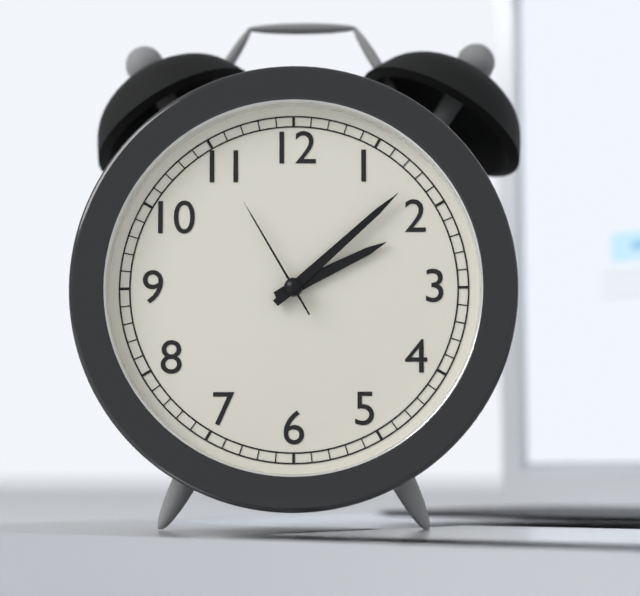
2:08:55
